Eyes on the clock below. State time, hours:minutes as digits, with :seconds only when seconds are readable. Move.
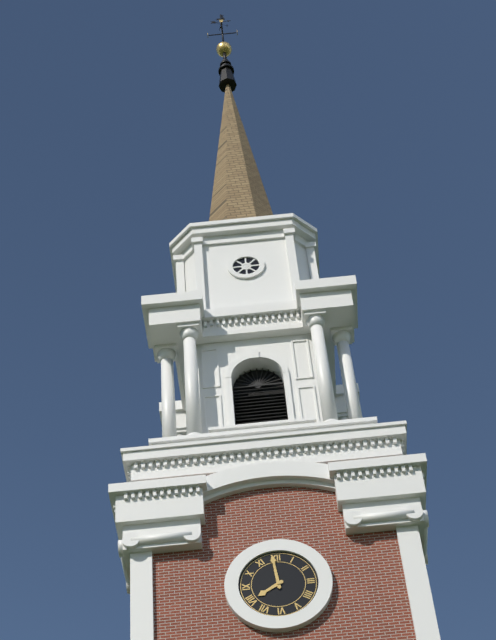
7:59
